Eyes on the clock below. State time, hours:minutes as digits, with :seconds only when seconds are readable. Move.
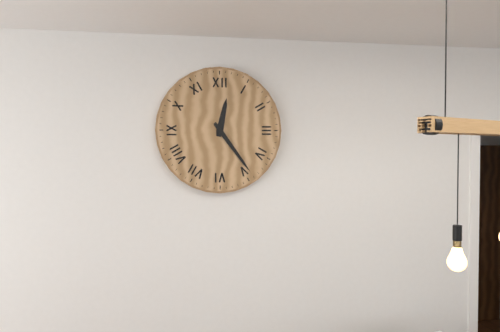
12:24
